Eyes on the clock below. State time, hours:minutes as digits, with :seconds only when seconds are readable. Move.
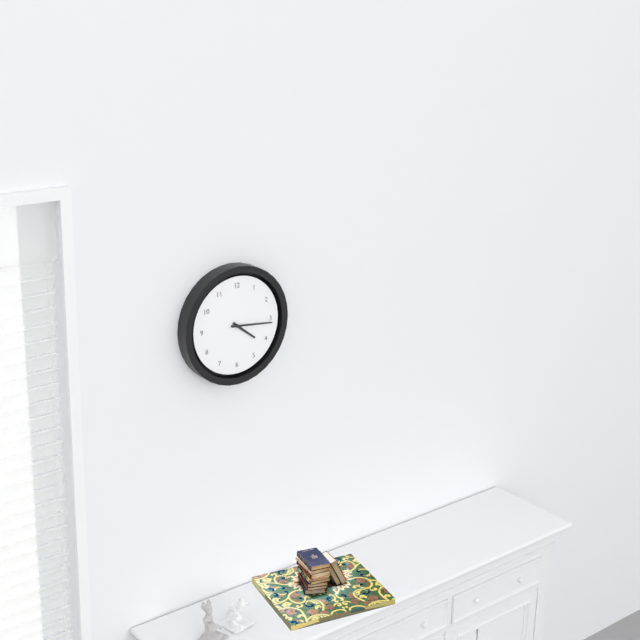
4:16
